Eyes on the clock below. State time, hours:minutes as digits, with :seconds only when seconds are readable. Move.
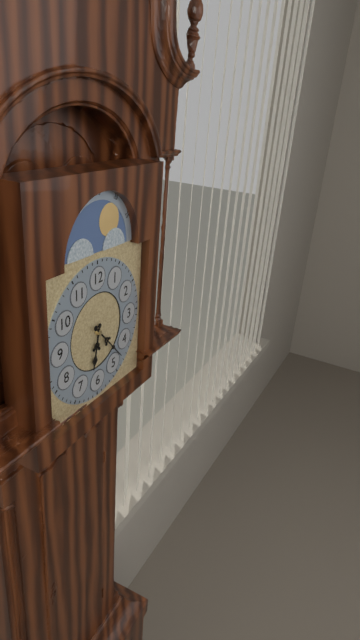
6:23
